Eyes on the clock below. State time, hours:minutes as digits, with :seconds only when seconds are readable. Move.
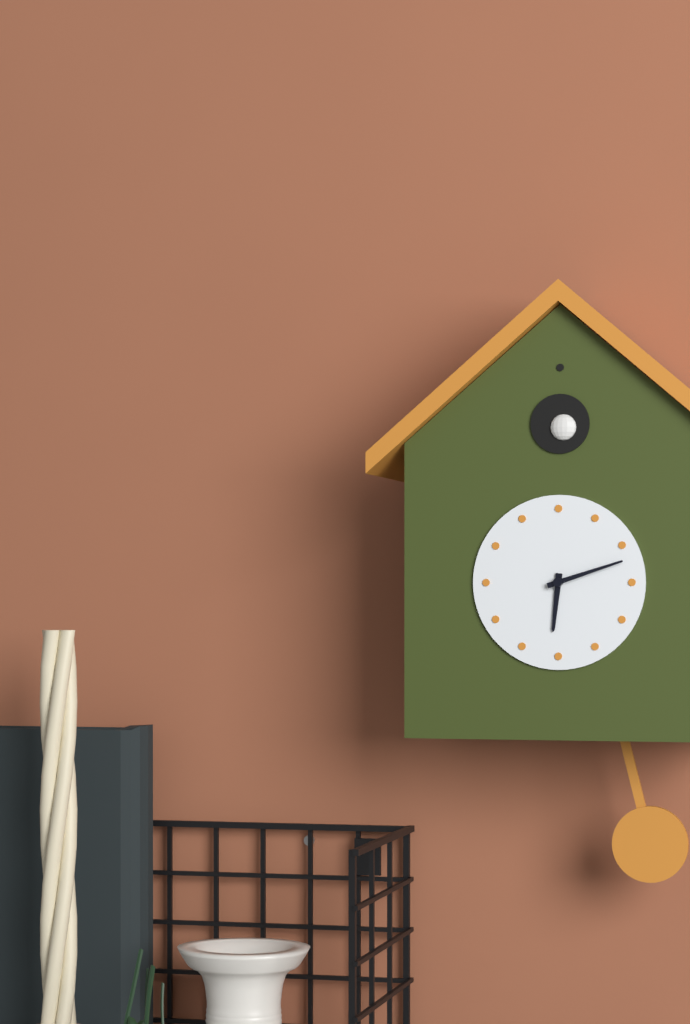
6:12
